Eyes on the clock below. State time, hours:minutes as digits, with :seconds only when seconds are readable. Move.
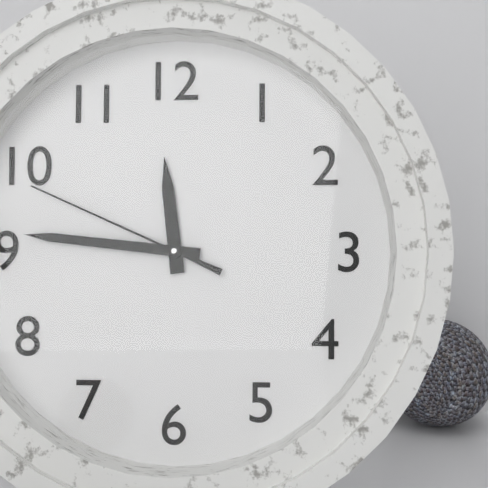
11:46:49
